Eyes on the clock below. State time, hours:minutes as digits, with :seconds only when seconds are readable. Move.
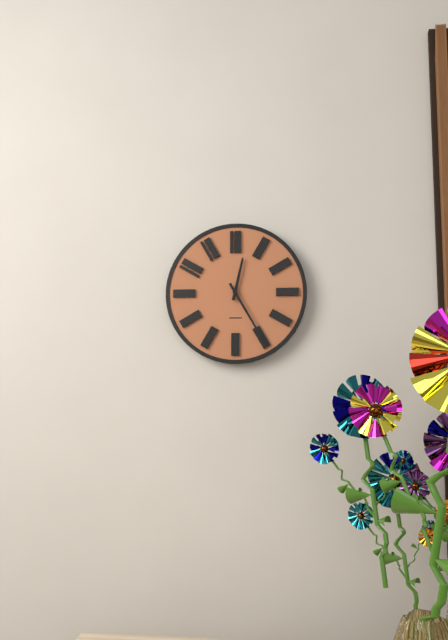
12:25
